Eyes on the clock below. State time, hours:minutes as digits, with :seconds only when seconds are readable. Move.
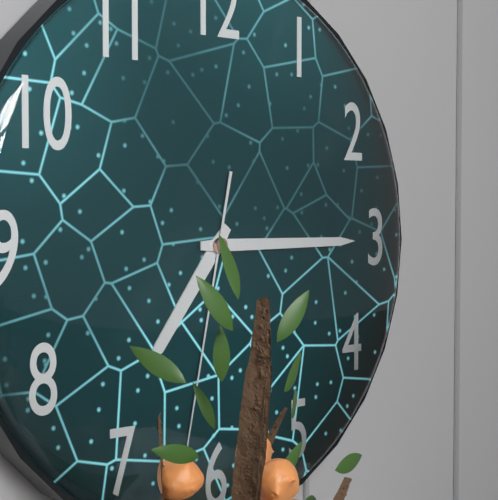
7:15:32
